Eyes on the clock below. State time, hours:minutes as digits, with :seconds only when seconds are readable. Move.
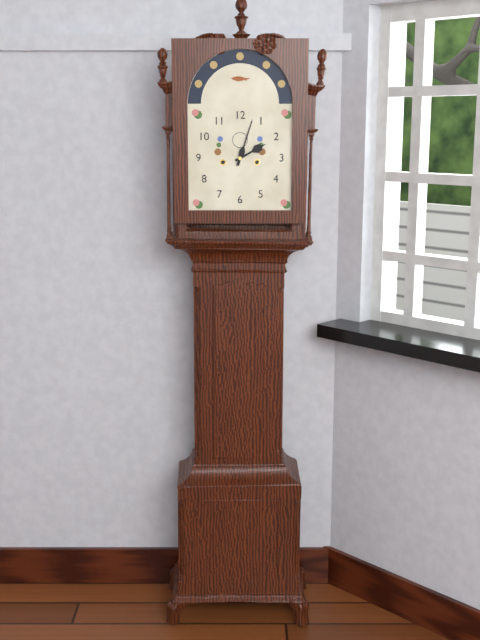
2:03
